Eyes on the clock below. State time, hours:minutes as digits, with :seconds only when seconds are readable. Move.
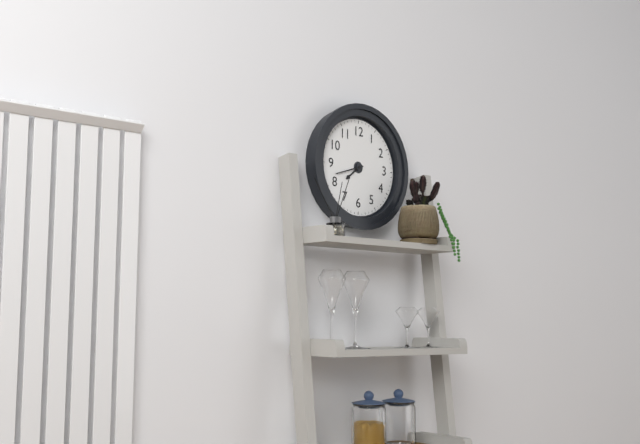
7:42
